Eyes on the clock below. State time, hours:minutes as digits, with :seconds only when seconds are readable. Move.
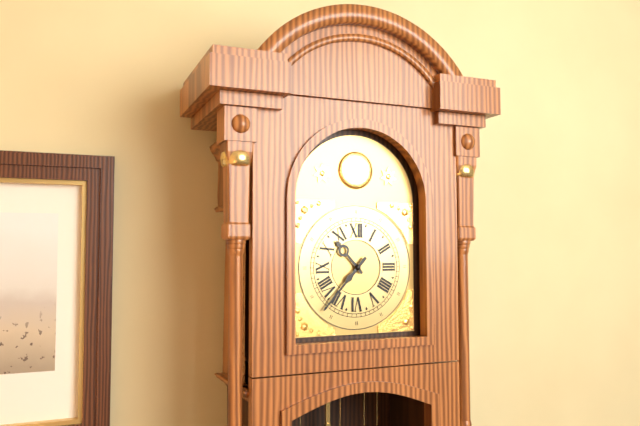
10:37
